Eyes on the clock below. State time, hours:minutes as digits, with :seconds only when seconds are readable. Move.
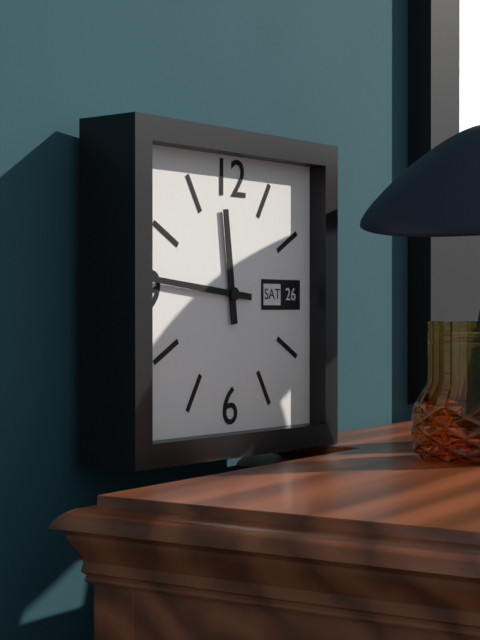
11:46
